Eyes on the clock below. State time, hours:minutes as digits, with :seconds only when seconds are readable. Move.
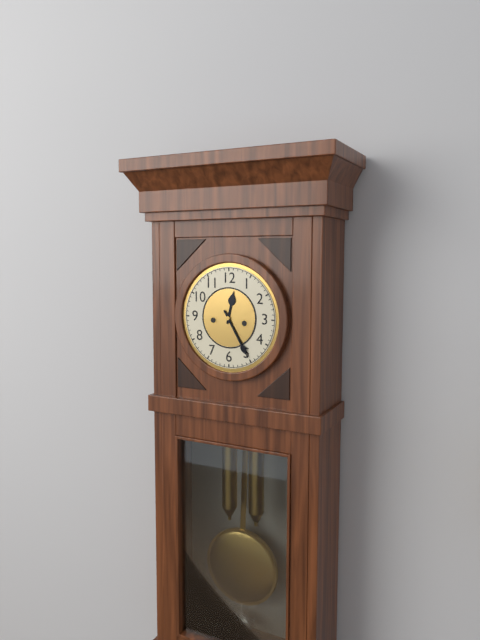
12:25
